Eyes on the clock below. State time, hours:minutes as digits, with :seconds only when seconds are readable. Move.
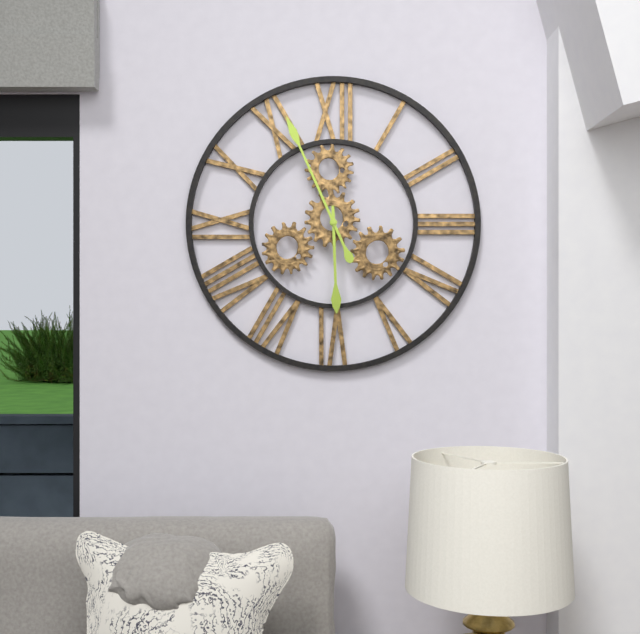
5:56
